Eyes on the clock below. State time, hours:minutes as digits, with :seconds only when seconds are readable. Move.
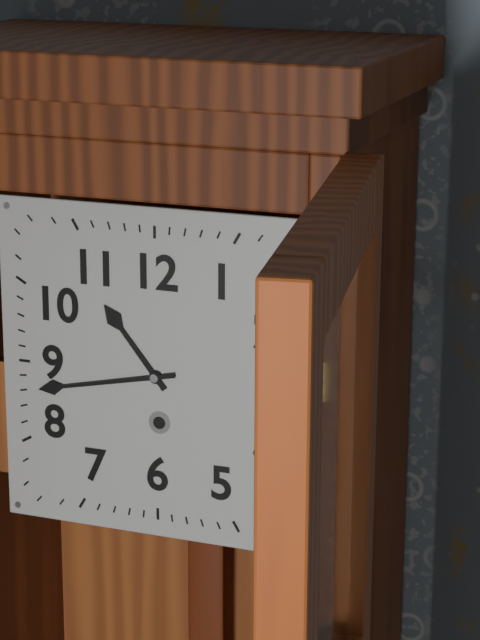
10:43
